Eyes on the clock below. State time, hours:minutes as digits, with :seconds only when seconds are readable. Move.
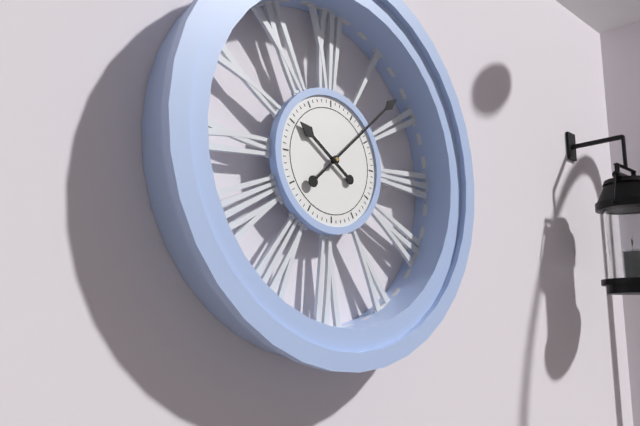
10:08
